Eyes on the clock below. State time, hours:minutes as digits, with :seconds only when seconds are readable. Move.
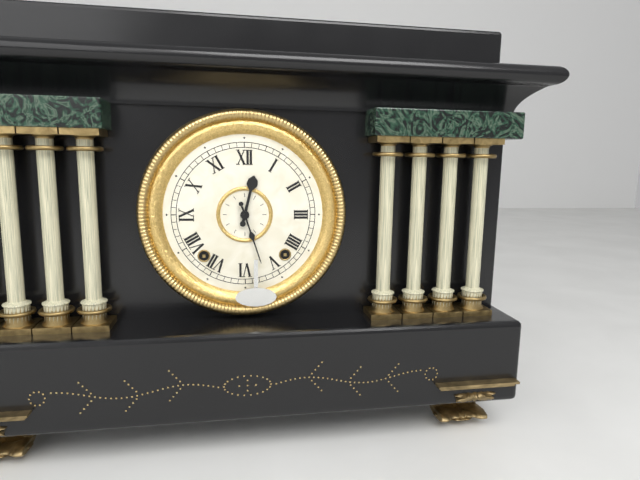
12:27
